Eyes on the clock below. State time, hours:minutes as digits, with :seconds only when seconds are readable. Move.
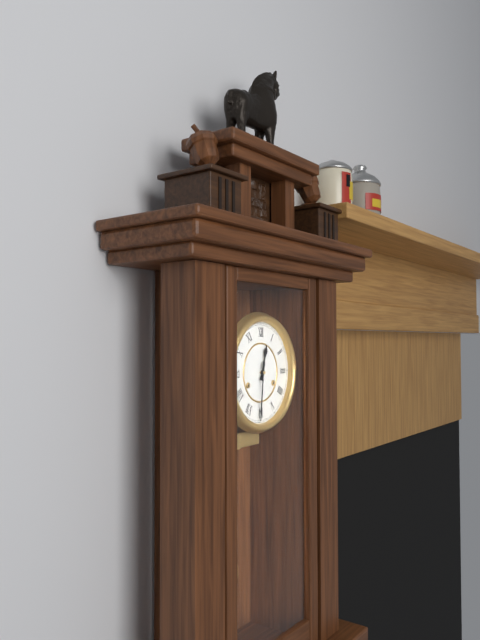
12:31
